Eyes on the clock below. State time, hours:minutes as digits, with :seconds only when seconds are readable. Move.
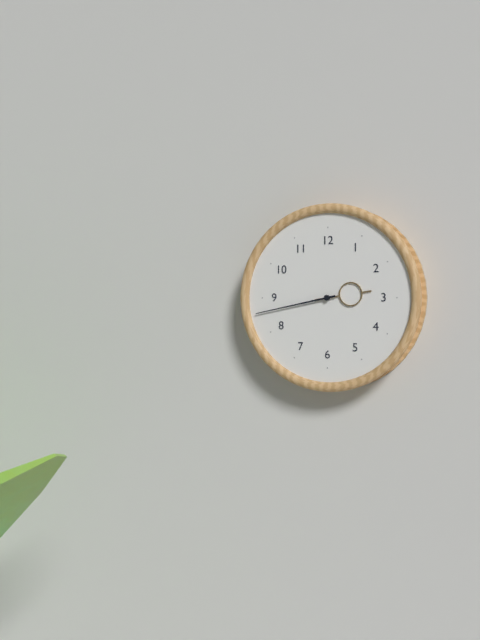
2:43
